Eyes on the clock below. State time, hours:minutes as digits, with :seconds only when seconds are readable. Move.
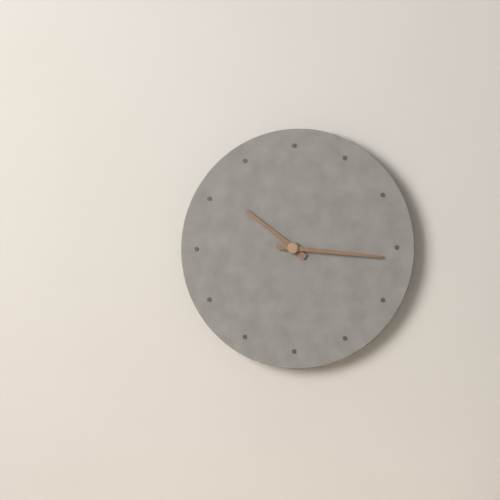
10:16
